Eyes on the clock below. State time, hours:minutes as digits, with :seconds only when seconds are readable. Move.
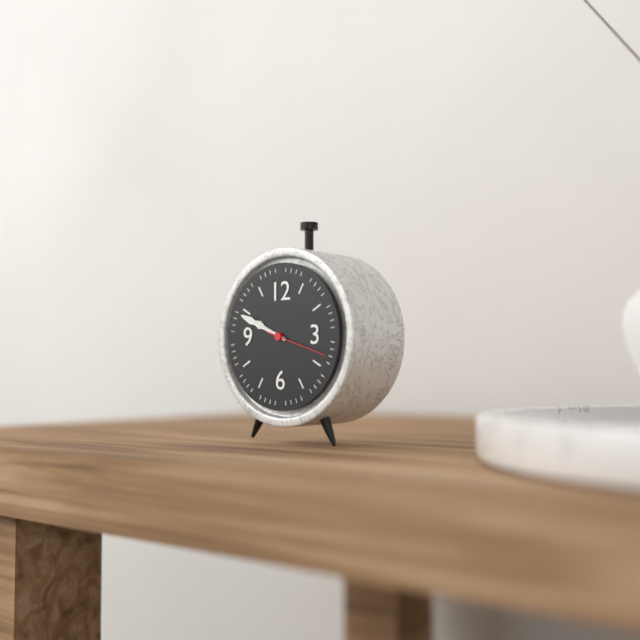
9:49:18
